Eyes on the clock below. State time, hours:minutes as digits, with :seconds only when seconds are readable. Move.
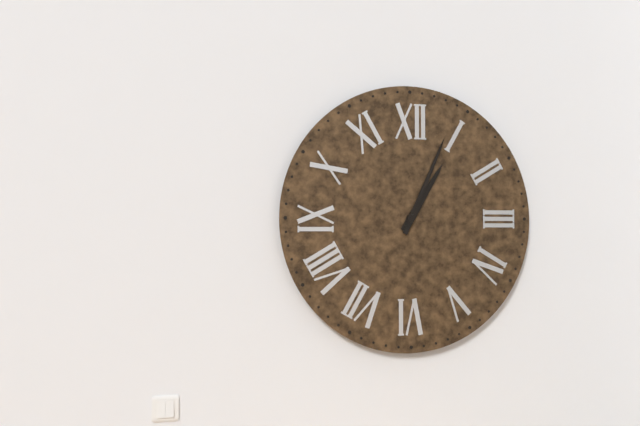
1:04
